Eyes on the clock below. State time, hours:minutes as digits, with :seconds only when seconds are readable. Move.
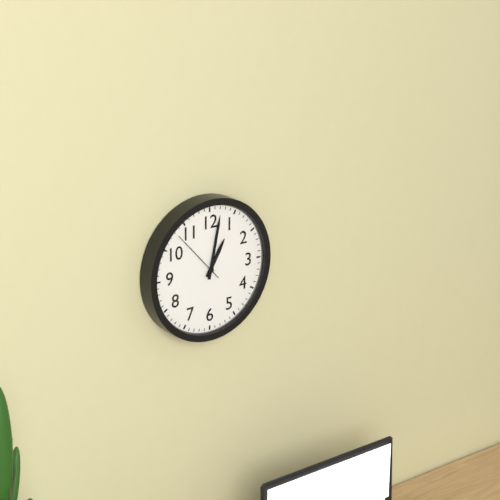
1:02:53
